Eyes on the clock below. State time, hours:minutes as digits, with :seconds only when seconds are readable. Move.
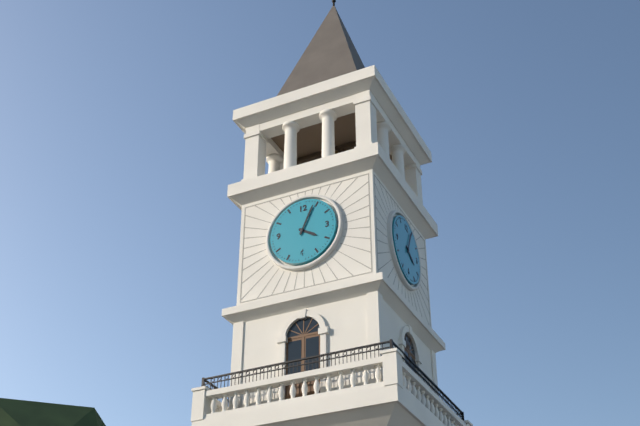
4:04
